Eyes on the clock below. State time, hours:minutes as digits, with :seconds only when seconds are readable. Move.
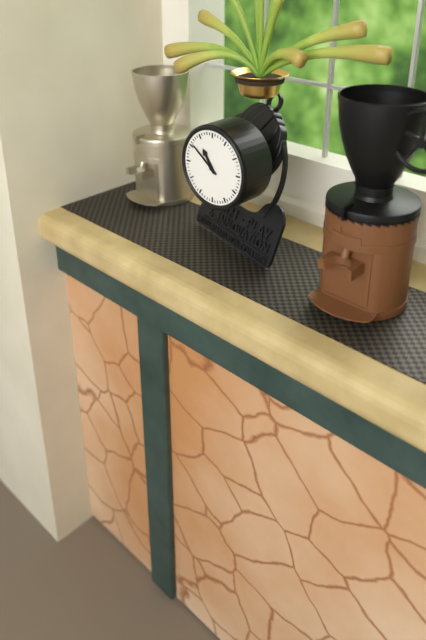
10:51
